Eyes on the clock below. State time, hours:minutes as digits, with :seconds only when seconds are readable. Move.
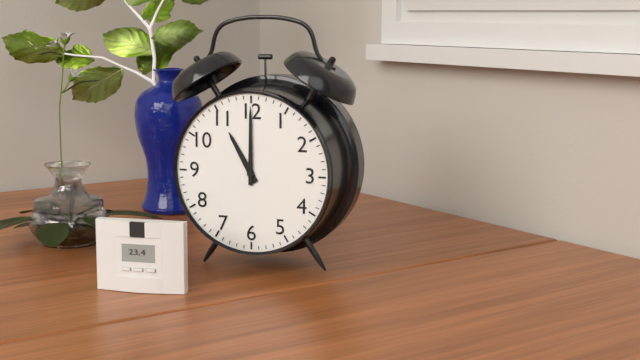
11:00
